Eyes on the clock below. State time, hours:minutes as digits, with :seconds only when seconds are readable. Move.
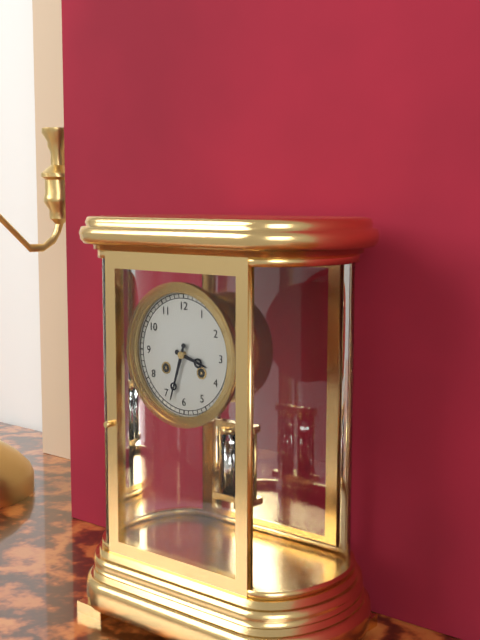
3:33
